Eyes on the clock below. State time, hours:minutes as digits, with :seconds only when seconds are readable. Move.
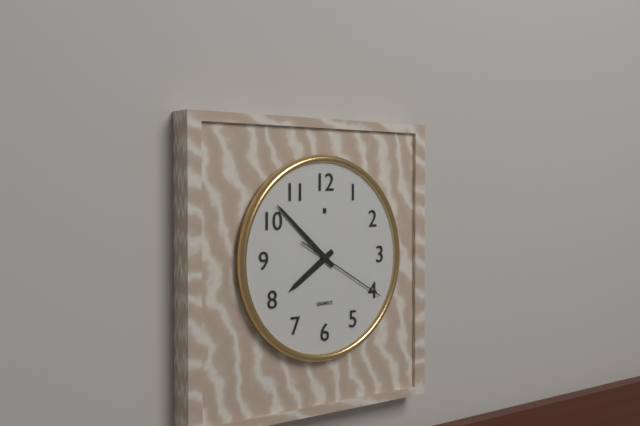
7:52:20
